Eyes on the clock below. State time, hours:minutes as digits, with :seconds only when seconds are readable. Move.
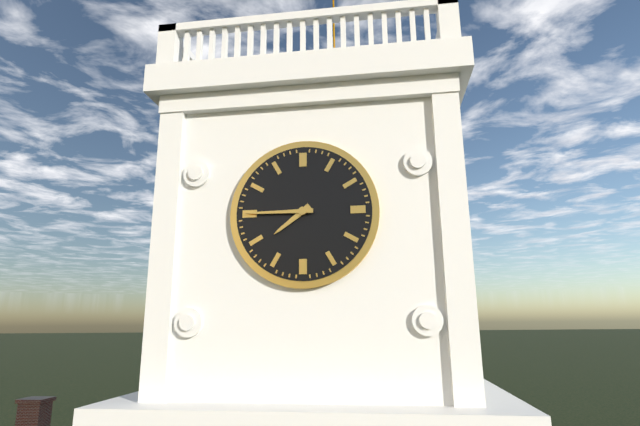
7:45
